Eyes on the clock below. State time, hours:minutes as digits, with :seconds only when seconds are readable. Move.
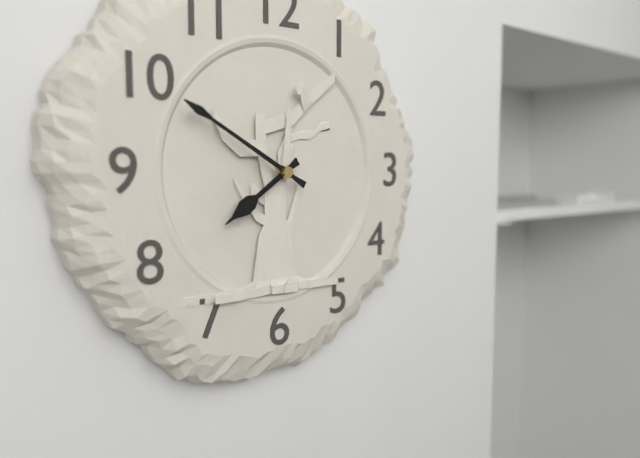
7:50
